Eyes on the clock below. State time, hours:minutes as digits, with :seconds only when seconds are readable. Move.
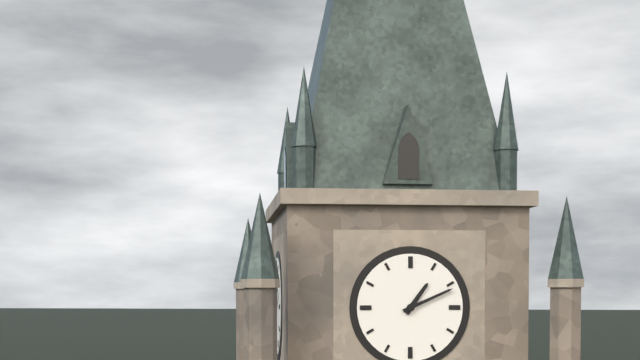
1:11
